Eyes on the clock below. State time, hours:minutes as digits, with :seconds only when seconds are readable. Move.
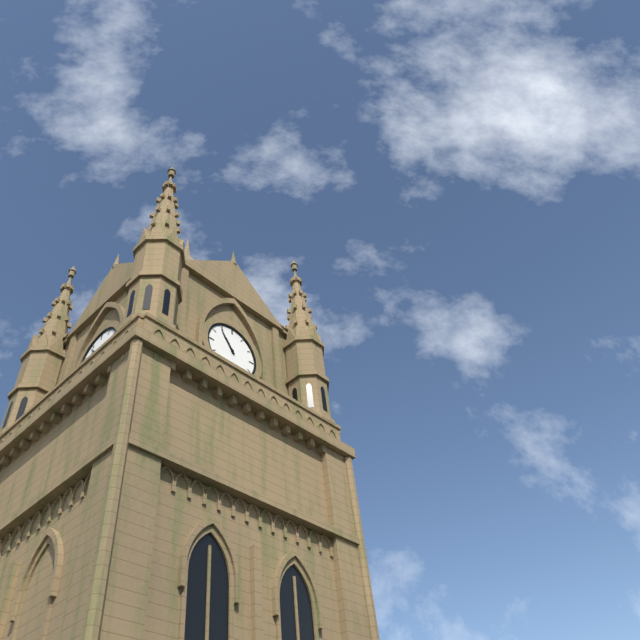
10:54
